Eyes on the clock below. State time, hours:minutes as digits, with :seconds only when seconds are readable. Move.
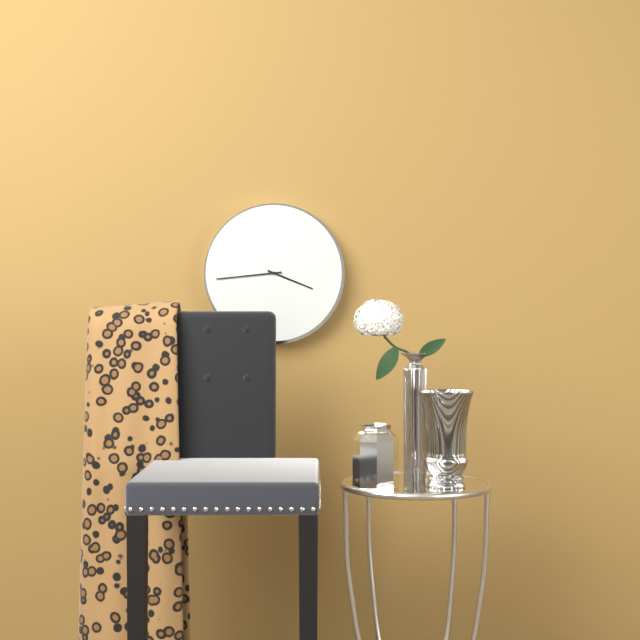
3:44
